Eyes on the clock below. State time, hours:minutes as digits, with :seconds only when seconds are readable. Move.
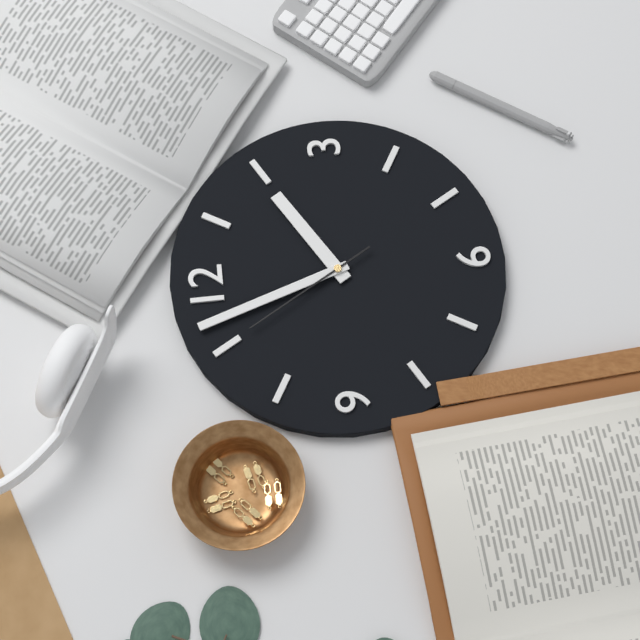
1:57:55
